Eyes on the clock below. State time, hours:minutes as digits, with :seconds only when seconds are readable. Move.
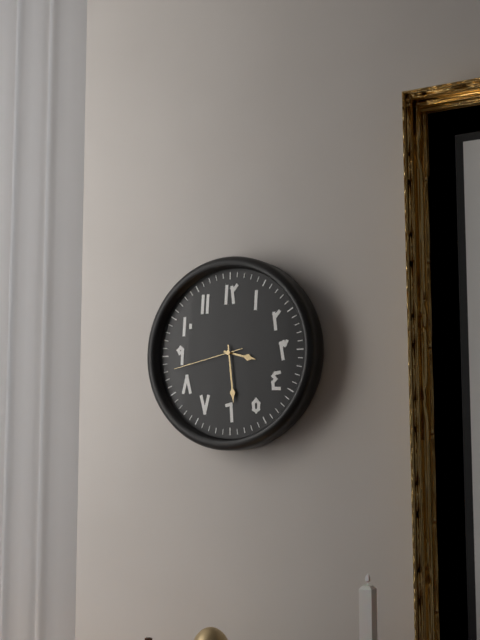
3:29:43
